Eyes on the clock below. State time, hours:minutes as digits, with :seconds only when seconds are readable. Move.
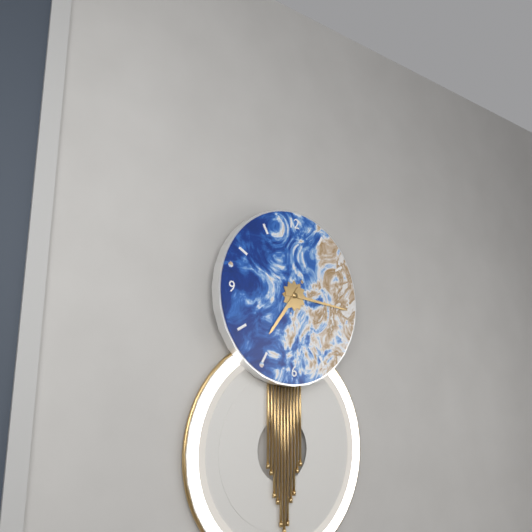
7:16
